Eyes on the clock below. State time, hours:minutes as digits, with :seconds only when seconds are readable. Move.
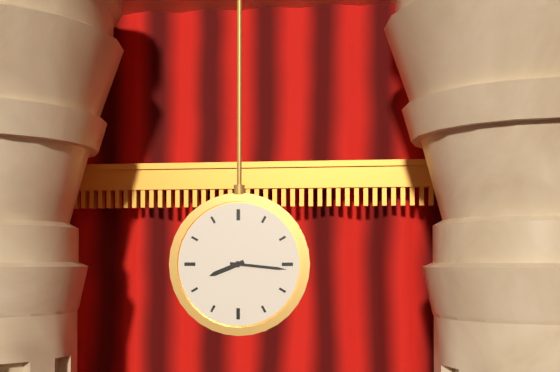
8:16
